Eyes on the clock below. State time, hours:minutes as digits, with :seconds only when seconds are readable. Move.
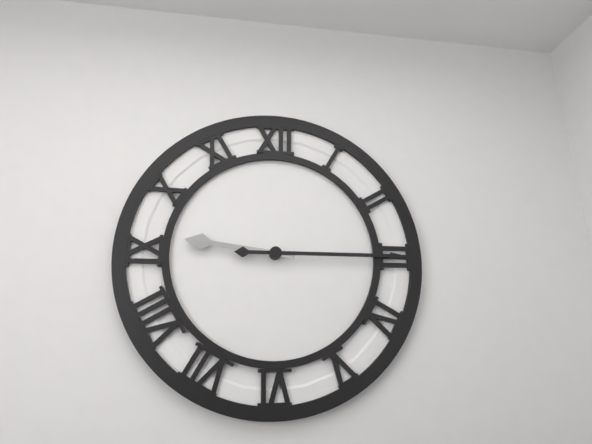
9:15
